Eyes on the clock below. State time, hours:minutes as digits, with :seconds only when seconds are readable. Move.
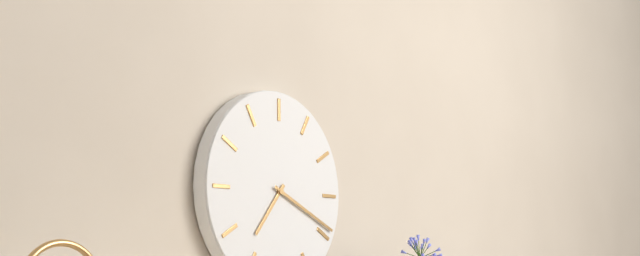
7:19
